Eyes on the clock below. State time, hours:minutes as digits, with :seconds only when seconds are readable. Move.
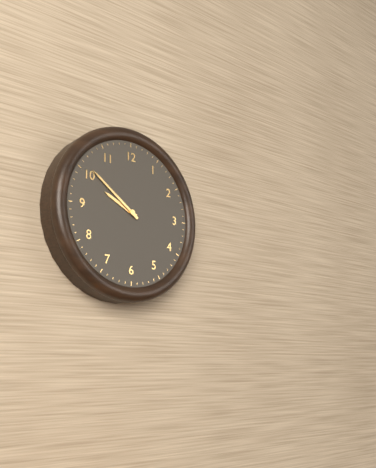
9:51
